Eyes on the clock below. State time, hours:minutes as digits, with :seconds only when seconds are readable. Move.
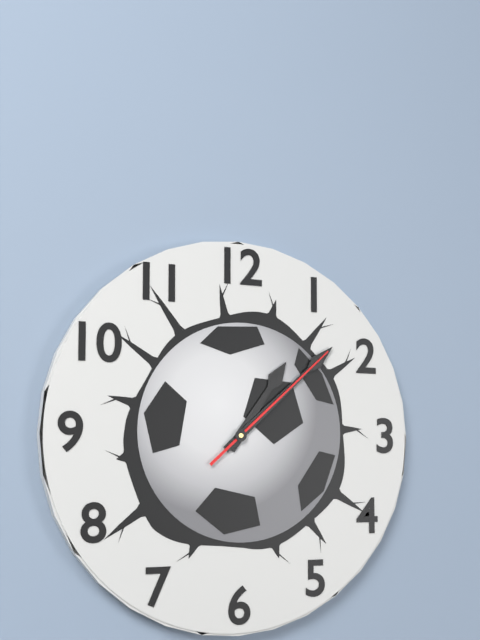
1:08:08
